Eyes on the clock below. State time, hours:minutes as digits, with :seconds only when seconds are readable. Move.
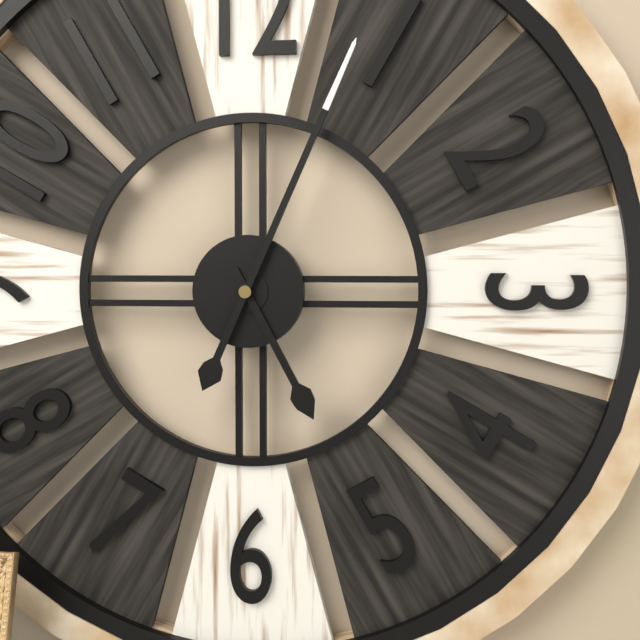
5:04
